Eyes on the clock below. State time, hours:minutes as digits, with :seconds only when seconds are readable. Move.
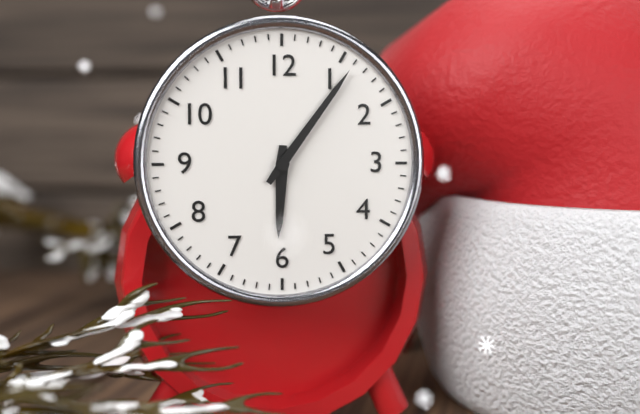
6:06
